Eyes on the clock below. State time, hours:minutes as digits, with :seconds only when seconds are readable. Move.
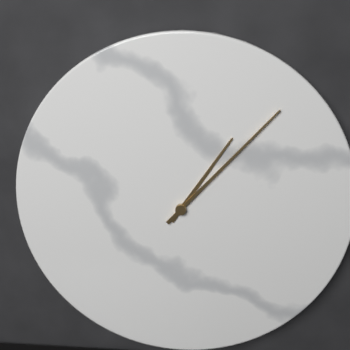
1:07
